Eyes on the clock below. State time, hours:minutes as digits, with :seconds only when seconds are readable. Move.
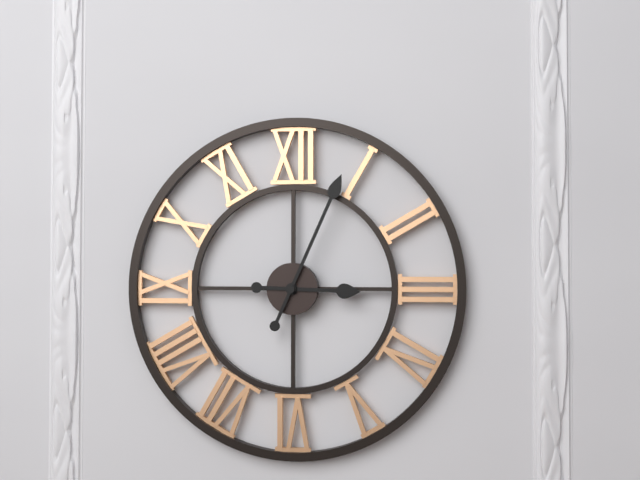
3:04
